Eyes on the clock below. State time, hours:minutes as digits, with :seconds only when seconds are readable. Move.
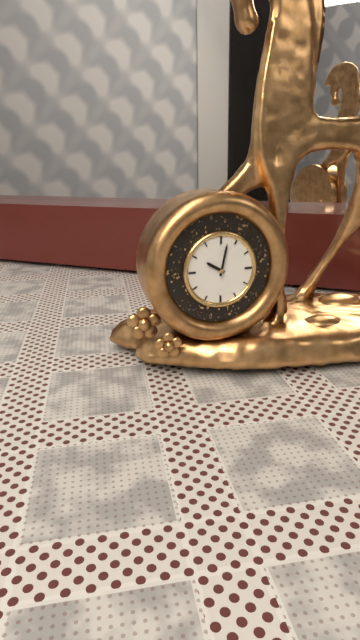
10:02
